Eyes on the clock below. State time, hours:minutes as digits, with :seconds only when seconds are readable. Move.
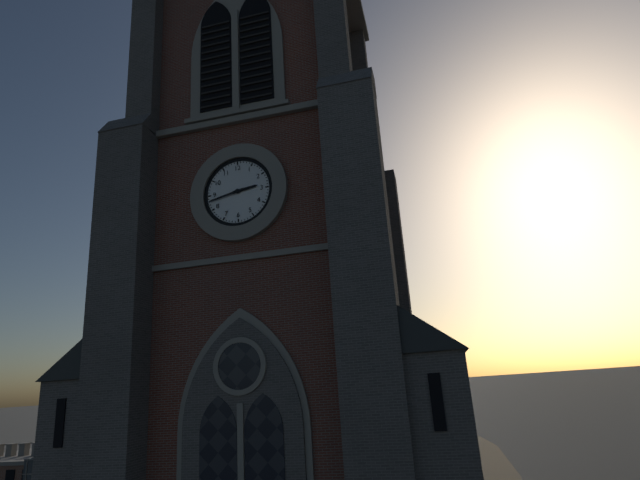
2:43
